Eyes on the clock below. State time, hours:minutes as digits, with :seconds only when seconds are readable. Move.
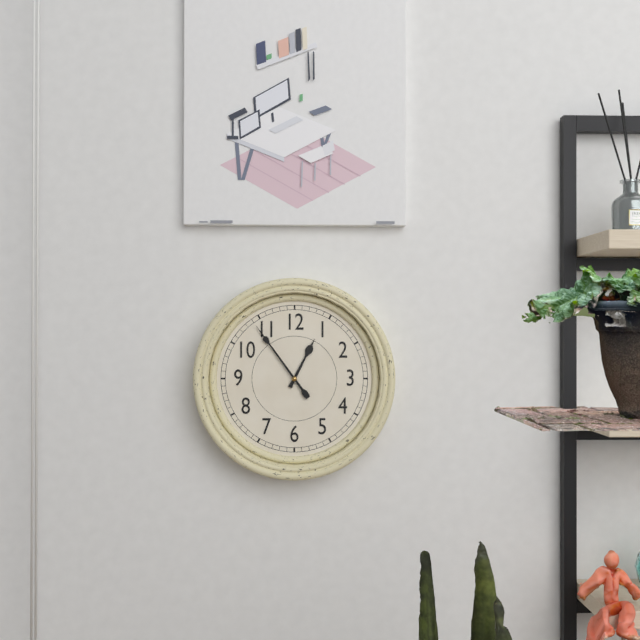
12:54
